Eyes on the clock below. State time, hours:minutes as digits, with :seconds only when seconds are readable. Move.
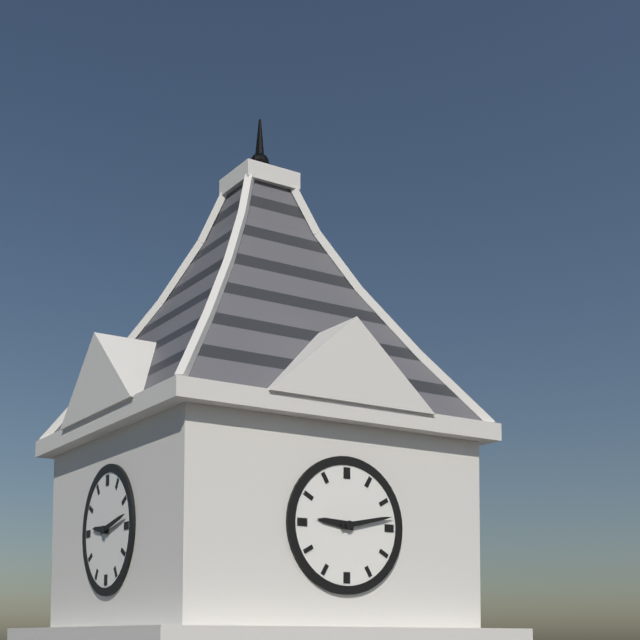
9:13
